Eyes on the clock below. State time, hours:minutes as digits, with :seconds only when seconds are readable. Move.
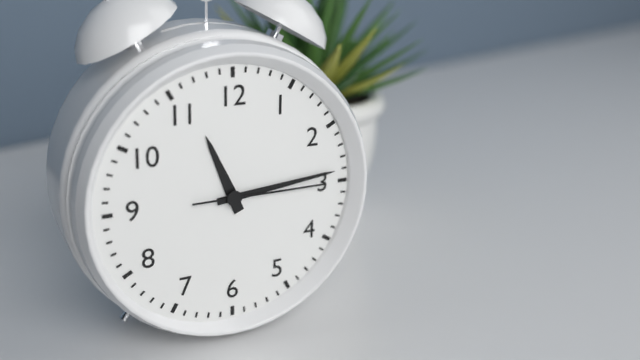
11:14:15
